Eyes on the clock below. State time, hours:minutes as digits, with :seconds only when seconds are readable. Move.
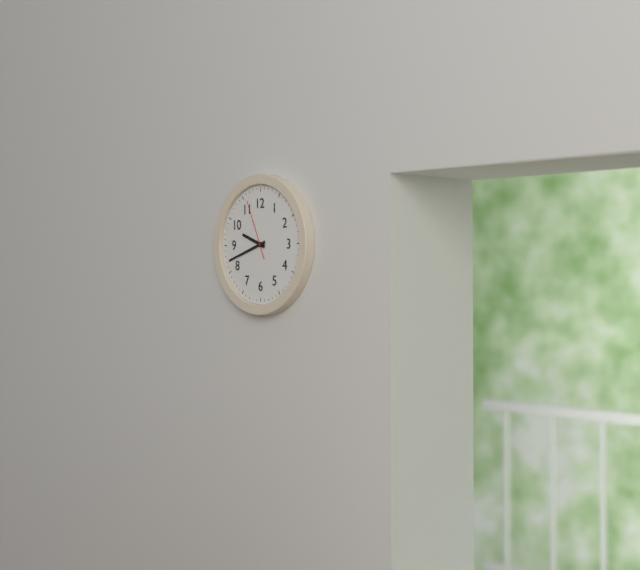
9:42:56
